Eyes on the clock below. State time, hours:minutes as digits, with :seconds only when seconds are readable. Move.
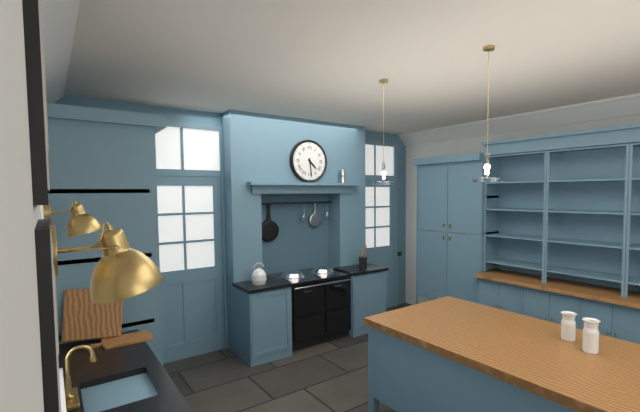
4:29
